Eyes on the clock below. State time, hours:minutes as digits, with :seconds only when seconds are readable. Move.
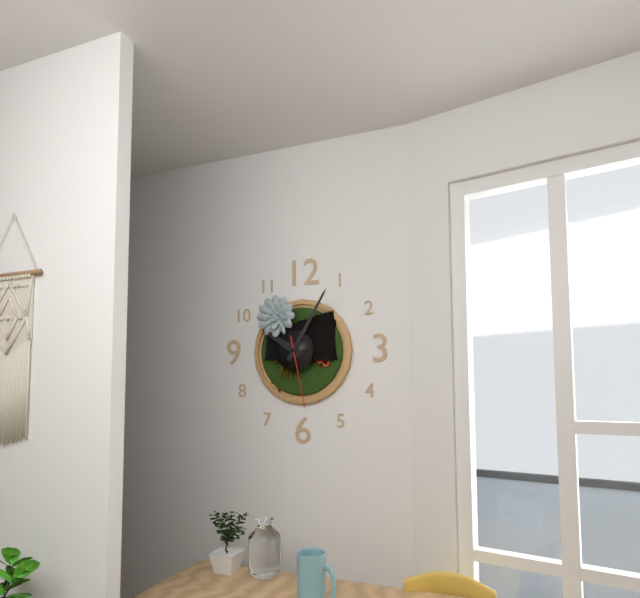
10:05:28
